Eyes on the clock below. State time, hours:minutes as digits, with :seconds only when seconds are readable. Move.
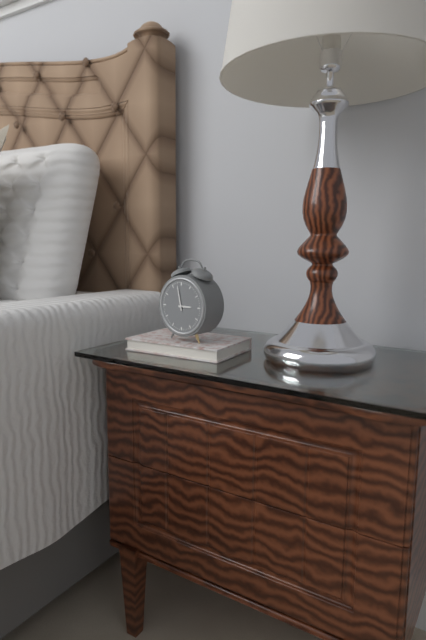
2:58
